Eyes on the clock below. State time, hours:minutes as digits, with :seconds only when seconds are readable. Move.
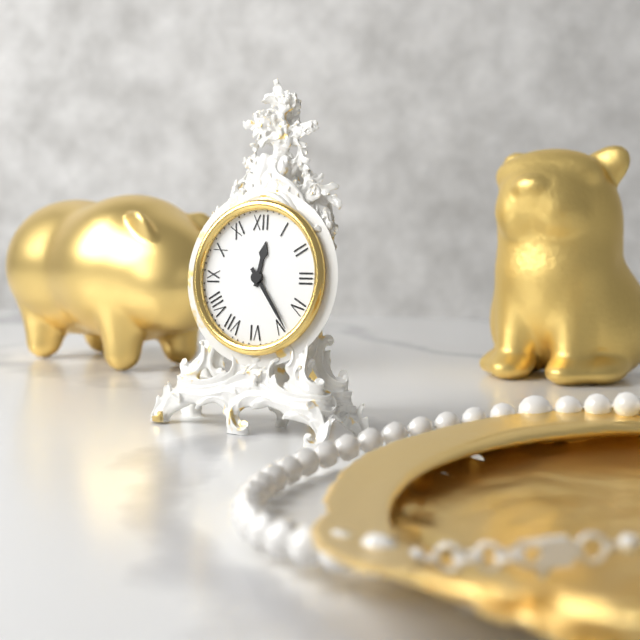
12:24
